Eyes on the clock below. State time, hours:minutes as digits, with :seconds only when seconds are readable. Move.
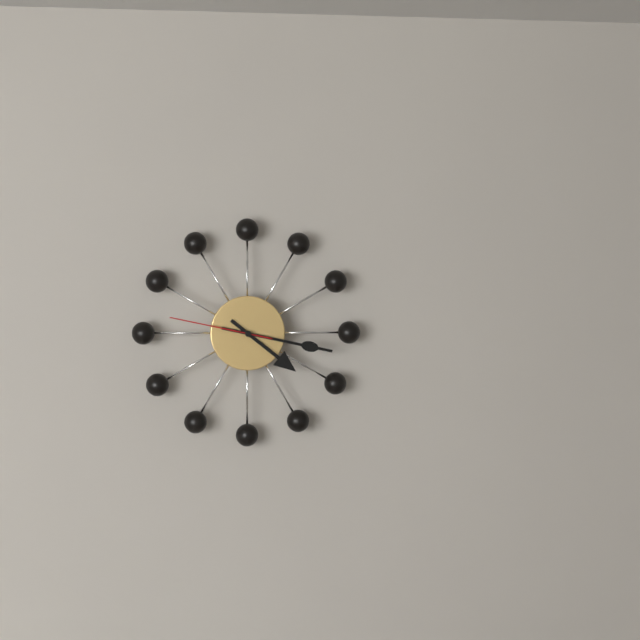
4:17:47
